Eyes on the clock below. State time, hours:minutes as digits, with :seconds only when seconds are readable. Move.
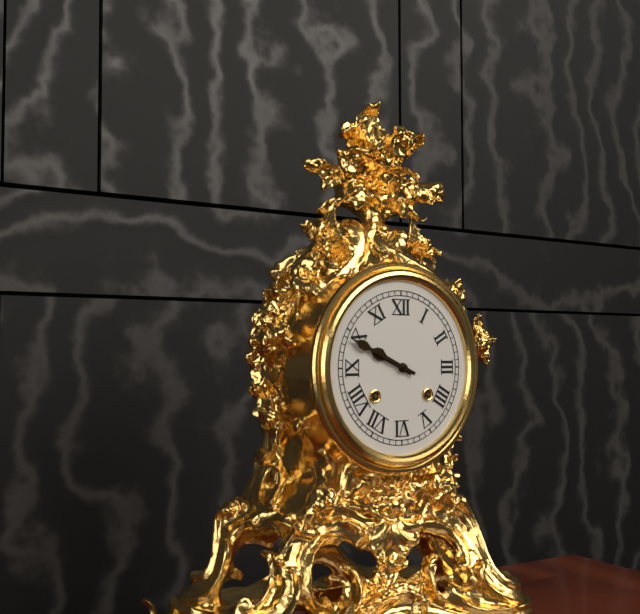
9:49
